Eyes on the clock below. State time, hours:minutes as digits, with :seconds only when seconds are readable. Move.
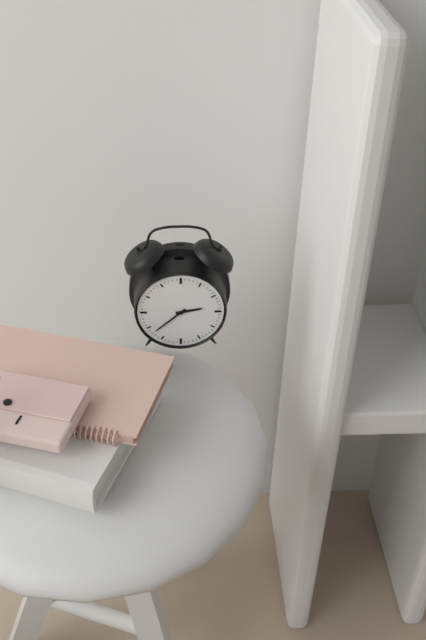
2:38
